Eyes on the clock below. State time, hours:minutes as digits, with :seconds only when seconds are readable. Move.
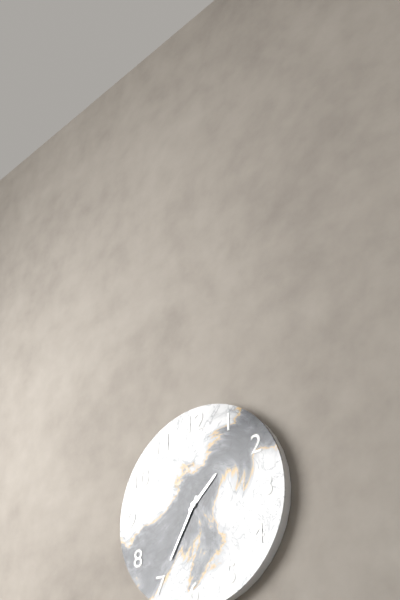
1:35
